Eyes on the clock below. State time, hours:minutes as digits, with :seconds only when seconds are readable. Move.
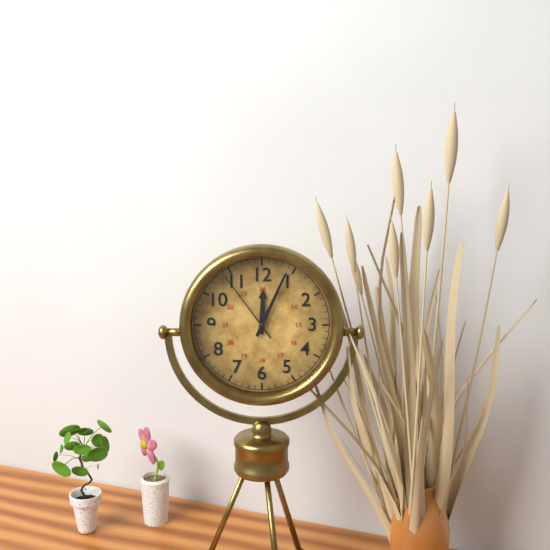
12:04:54
